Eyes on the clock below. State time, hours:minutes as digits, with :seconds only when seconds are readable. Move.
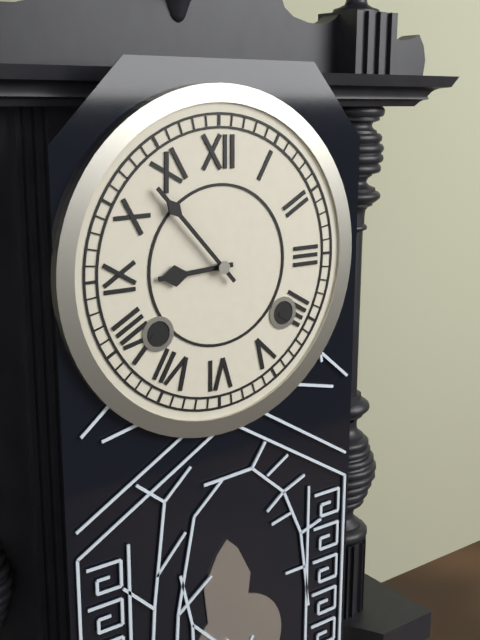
8:53
